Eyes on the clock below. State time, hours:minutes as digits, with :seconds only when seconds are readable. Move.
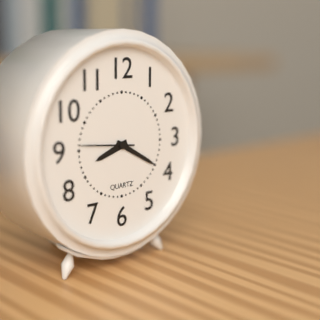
8:20:46
